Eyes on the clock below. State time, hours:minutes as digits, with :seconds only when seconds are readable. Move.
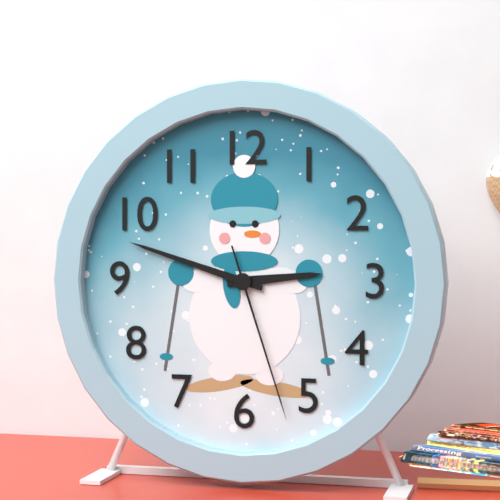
2:48:27
